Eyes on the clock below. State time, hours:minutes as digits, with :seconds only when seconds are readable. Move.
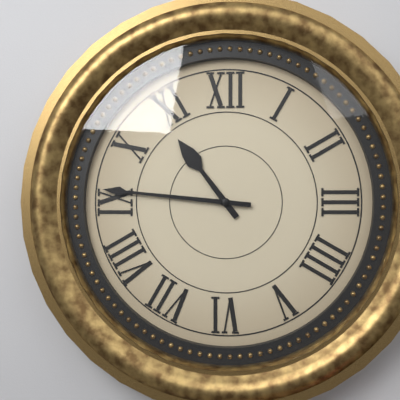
10:46
